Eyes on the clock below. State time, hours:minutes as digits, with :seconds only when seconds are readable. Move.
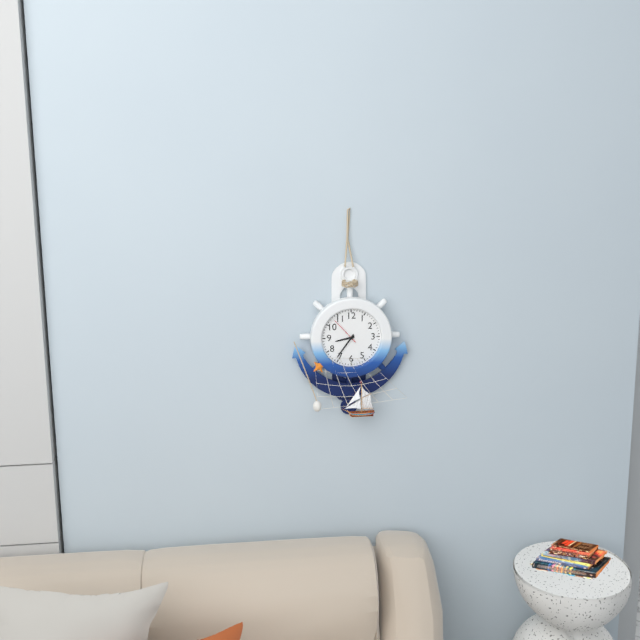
8:36
